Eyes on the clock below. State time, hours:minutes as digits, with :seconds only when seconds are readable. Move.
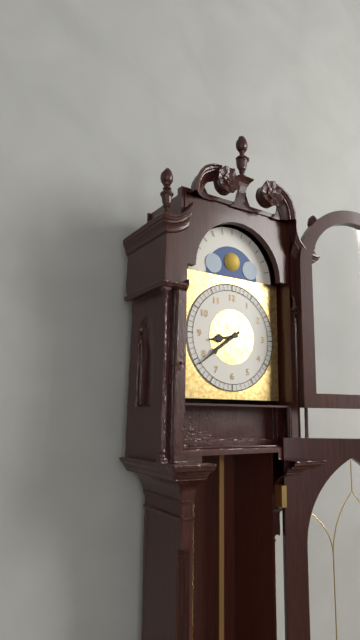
8:39
